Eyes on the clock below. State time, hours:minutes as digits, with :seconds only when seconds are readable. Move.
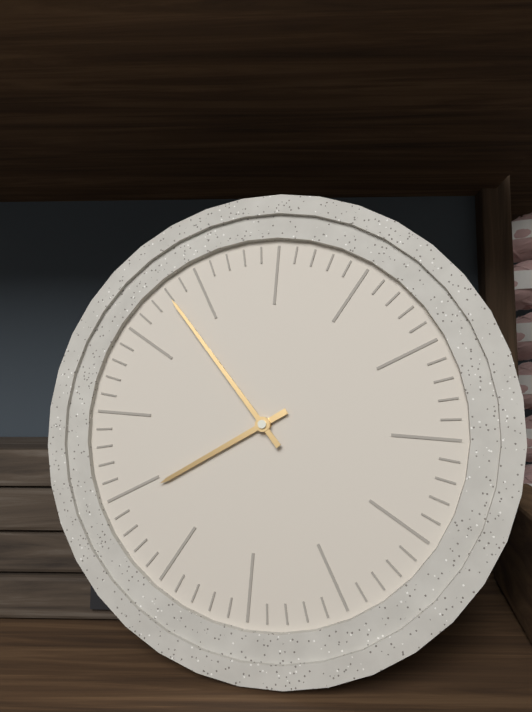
7:53
